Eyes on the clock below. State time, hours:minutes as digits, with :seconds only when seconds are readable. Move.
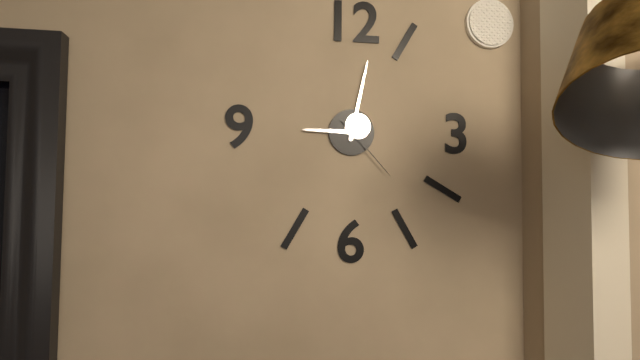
9:02:23
